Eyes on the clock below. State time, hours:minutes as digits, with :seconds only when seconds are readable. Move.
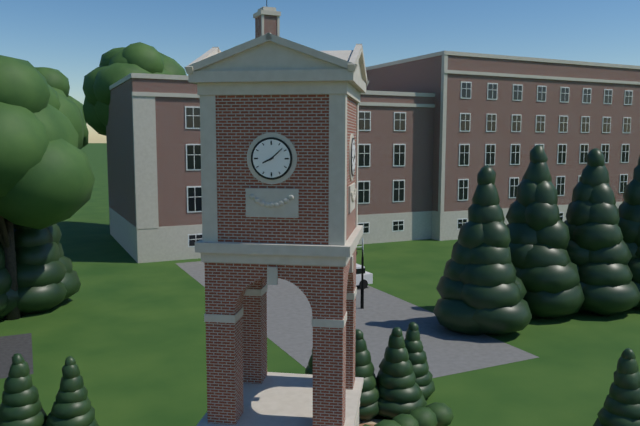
8:08
